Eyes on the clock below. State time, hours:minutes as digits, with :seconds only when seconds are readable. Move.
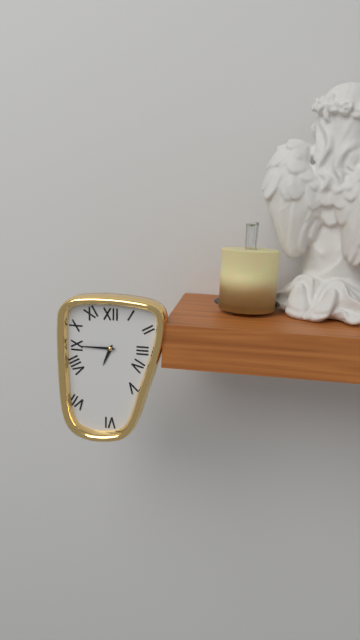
6:45
